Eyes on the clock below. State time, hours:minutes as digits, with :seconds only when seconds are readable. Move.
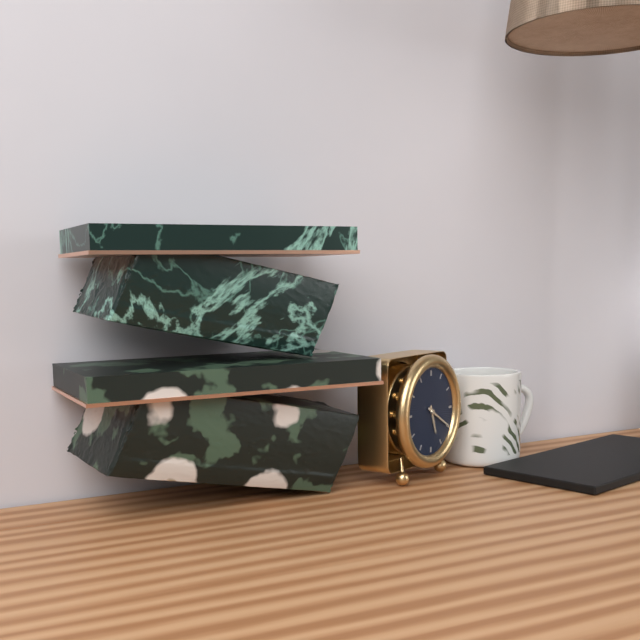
5:20
